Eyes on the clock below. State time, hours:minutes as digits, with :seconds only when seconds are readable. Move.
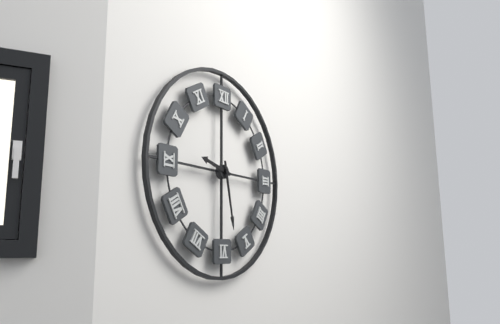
9:28
